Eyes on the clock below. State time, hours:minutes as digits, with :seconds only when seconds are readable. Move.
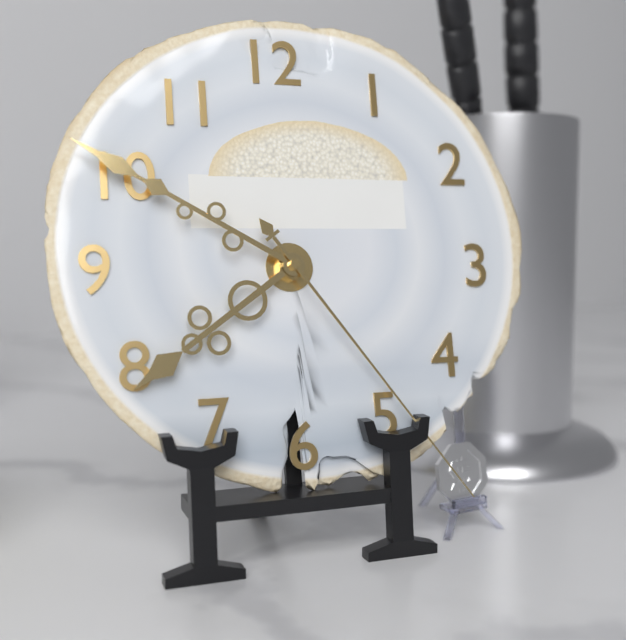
7:50:24
